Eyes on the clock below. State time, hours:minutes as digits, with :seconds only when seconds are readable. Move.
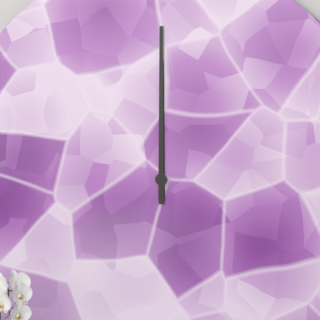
12:00
